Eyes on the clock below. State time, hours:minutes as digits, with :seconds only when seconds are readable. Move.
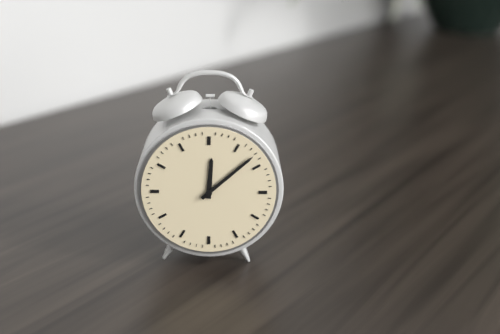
12:08
